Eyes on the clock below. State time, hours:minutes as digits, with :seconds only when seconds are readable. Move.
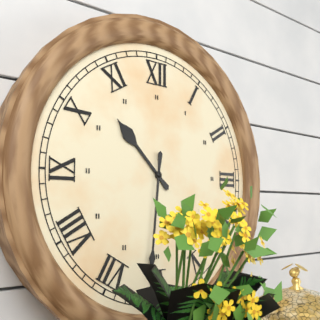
10:31
